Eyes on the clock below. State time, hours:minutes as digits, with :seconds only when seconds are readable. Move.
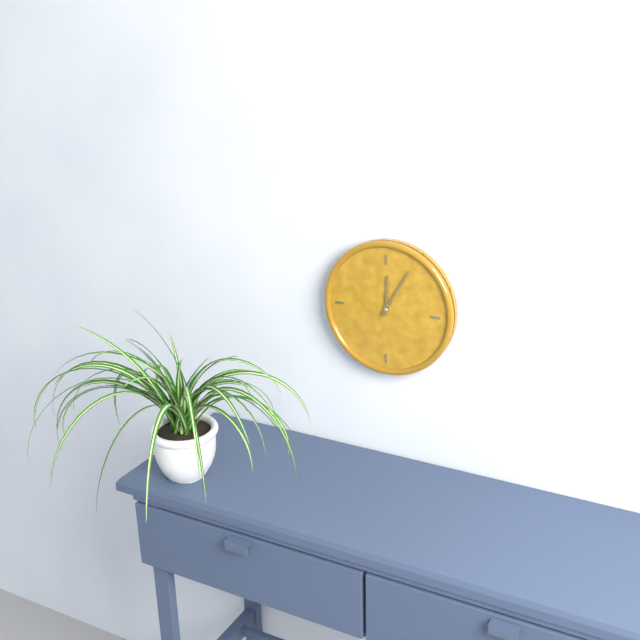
12:05
